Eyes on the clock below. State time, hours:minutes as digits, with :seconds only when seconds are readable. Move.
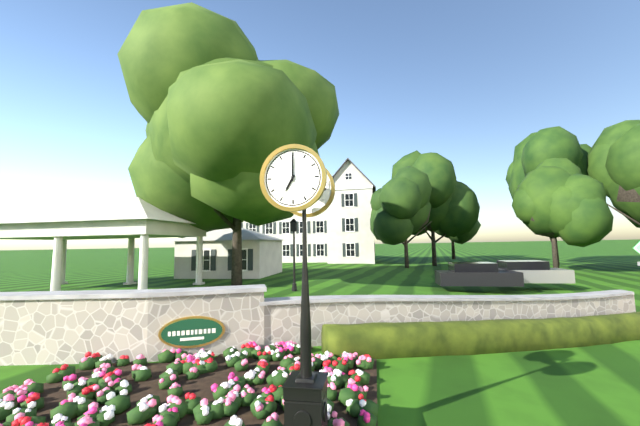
7:00
